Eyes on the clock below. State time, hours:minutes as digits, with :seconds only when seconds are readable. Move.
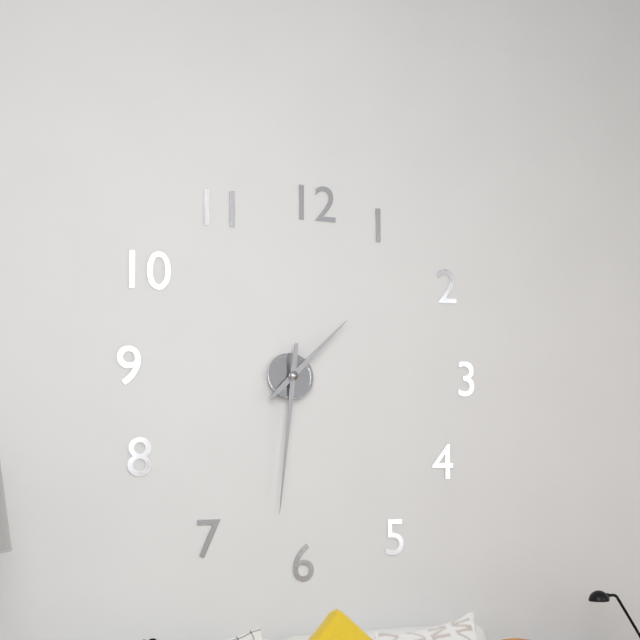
1:31
